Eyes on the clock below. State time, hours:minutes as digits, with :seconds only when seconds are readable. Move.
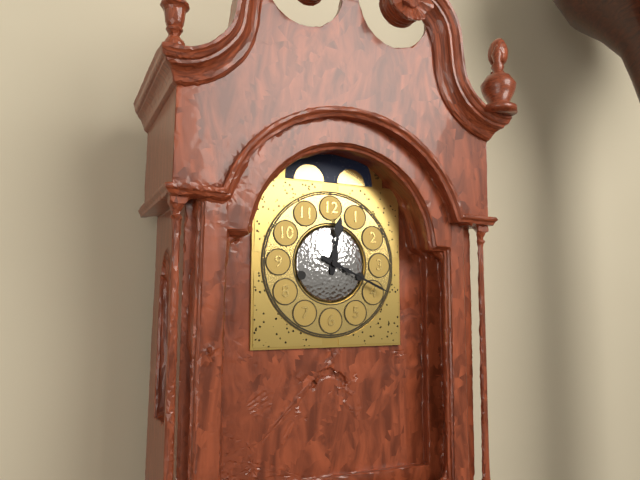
12:19
